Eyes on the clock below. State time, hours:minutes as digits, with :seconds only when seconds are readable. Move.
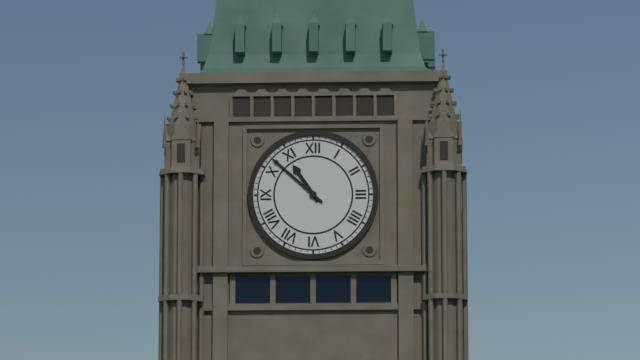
10:52
